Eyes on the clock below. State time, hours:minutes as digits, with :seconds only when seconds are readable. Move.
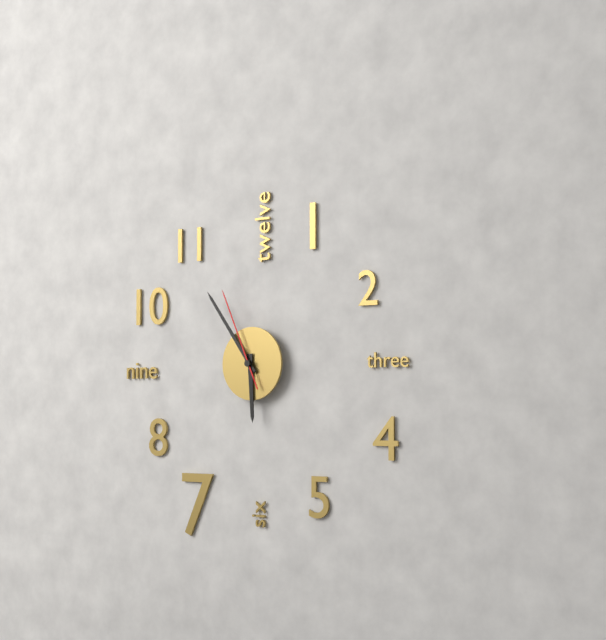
5:54:56
